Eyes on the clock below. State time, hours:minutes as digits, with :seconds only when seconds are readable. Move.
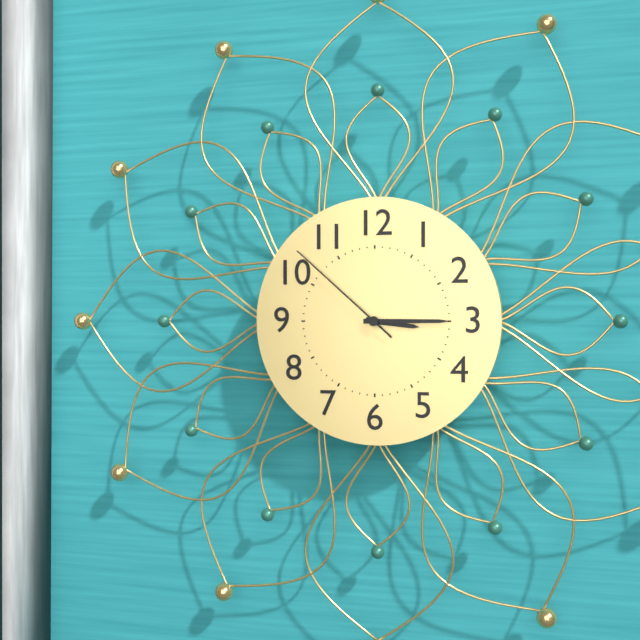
3:15:52
